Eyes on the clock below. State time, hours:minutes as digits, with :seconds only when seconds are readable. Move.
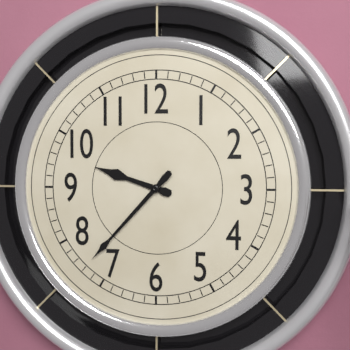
9:37
